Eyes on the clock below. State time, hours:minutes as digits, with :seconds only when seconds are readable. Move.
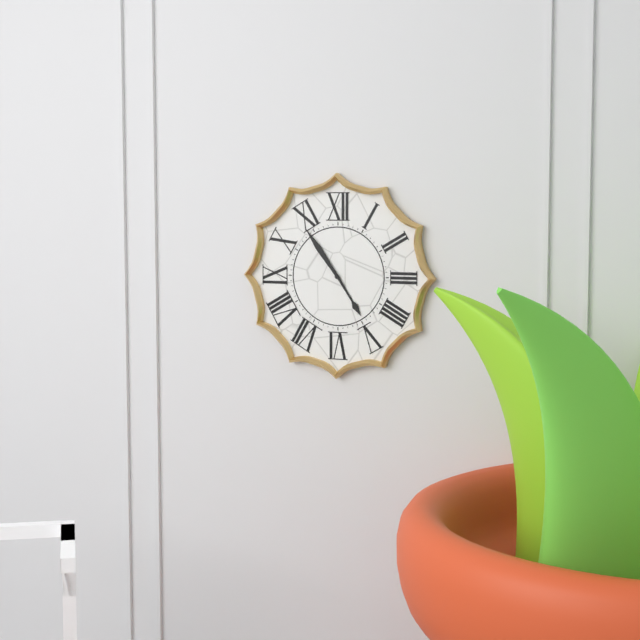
4:54
